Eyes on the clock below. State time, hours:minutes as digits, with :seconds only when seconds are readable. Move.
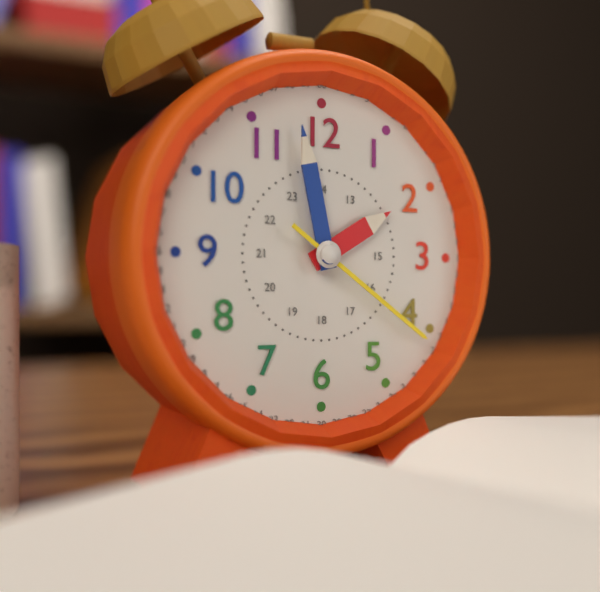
1:58:21
